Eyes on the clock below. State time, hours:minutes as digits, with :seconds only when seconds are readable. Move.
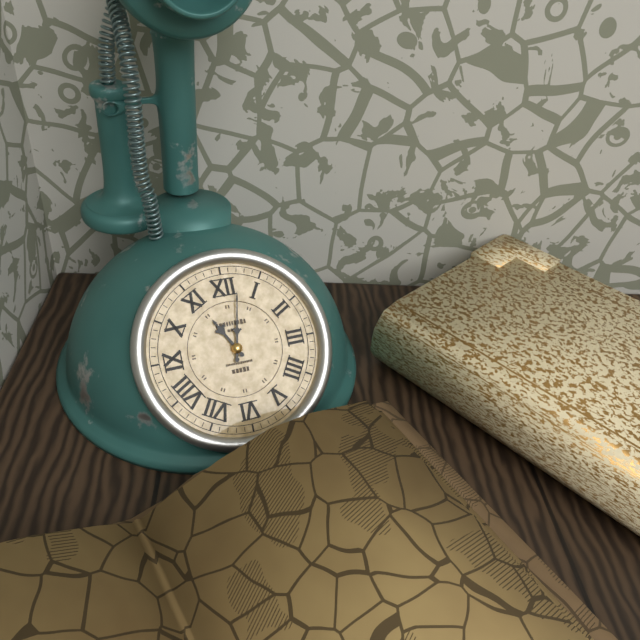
11:02
